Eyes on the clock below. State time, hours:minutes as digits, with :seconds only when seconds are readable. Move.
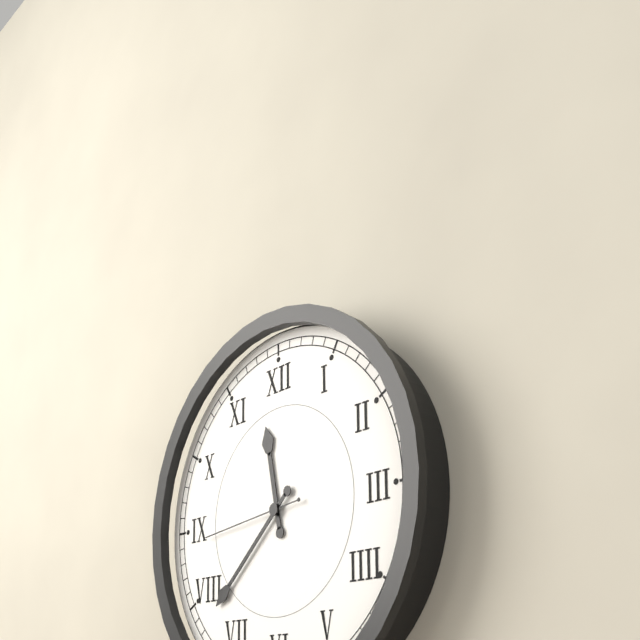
11:38:44
